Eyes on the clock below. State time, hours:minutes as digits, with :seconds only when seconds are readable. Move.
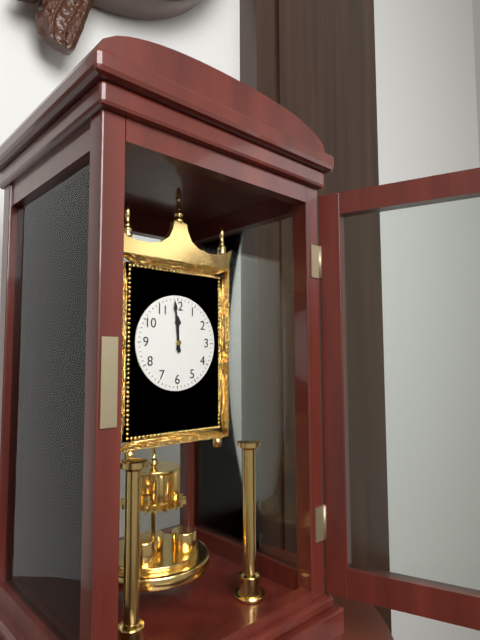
11:59
